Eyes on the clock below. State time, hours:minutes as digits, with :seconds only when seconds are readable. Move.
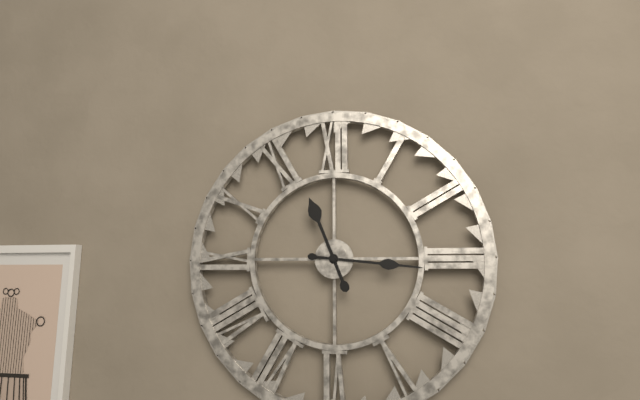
11:16
